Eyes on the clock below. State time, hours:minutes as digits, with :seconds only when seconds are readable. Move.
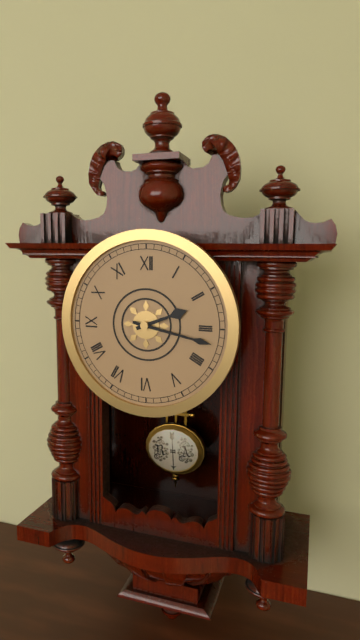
2:17
